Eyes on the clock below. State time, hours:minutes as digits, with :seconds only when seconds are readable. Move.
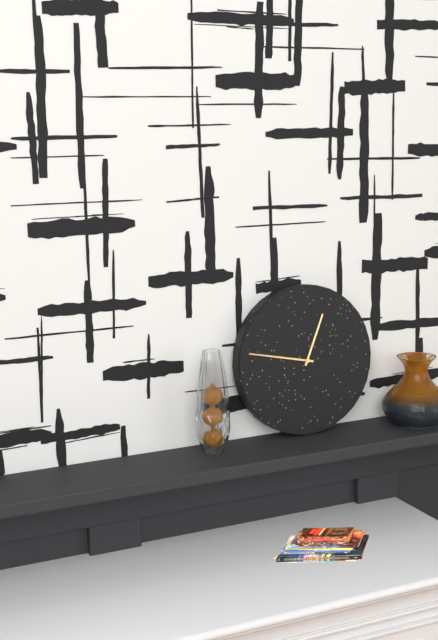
12:47
